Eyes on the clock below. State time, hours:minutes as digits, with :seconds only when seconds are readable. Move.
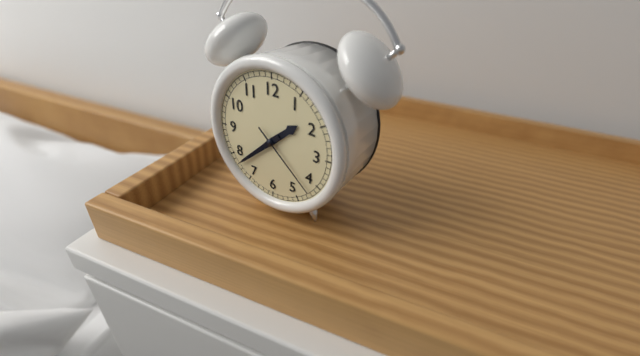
1:38:22
